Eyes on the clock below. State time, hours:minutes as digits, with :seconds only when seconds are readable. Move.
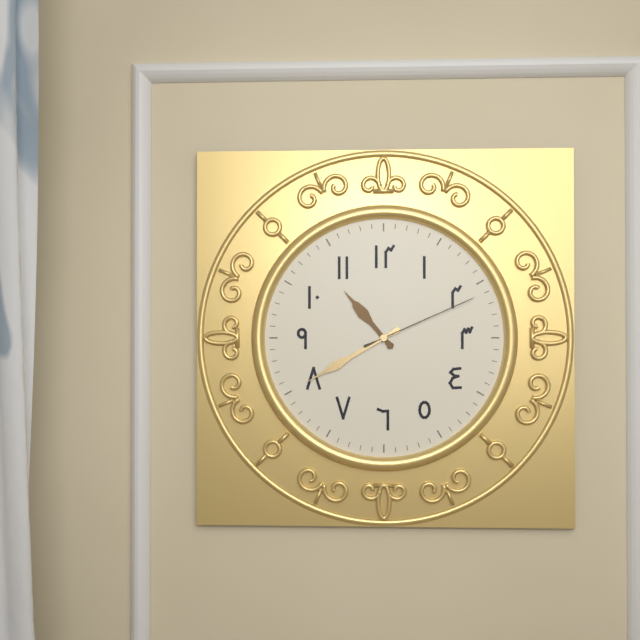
10:40:11
